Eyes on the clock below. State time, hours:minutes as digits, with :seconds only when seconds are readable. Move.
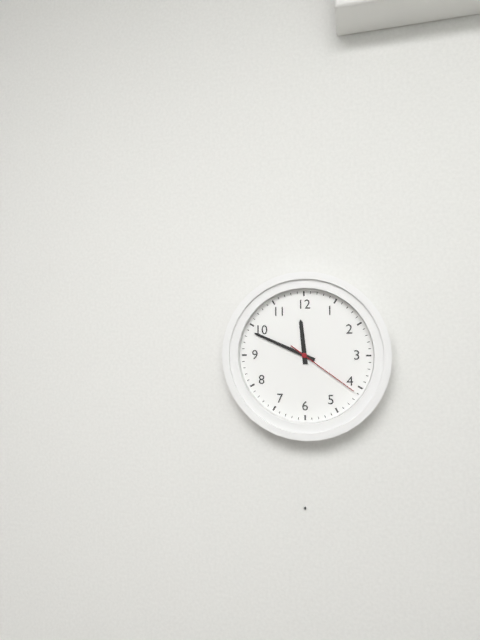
11:49:21
